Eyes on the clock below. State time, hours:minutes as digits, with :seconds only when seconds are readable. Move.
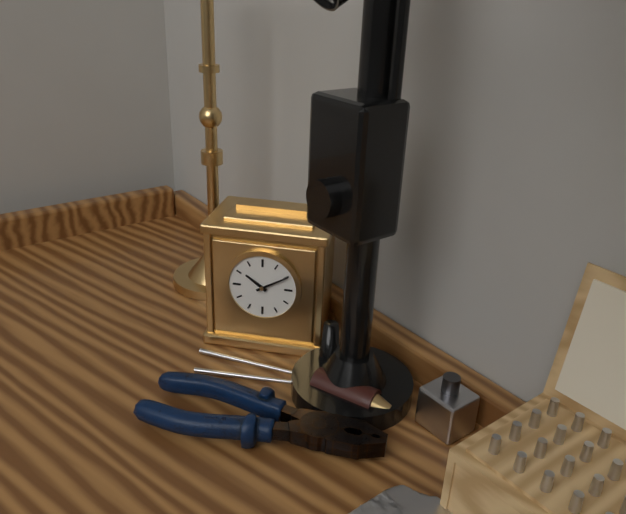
10:10
